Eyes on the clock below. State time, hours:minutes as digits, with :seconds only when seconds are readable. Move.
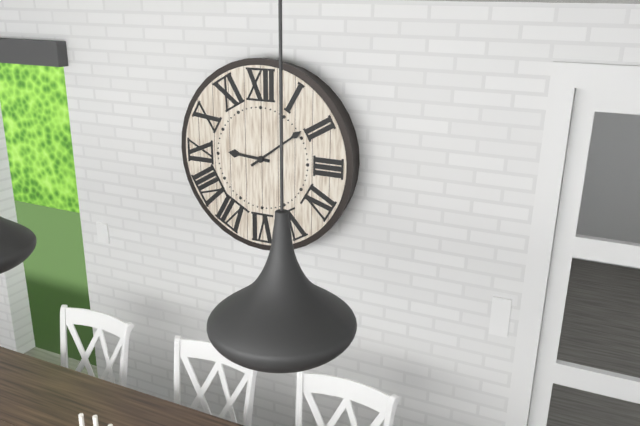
9:09
